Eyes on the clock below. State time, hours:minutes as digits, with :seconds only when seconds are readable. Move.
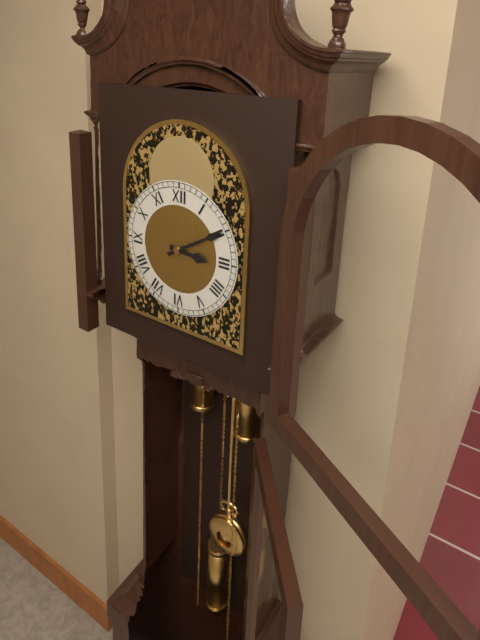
3:10
